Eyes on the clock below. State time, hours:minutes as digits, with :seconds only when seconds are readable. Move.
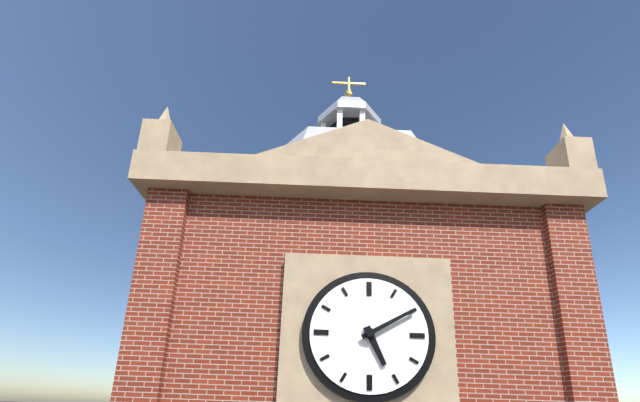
5:10
